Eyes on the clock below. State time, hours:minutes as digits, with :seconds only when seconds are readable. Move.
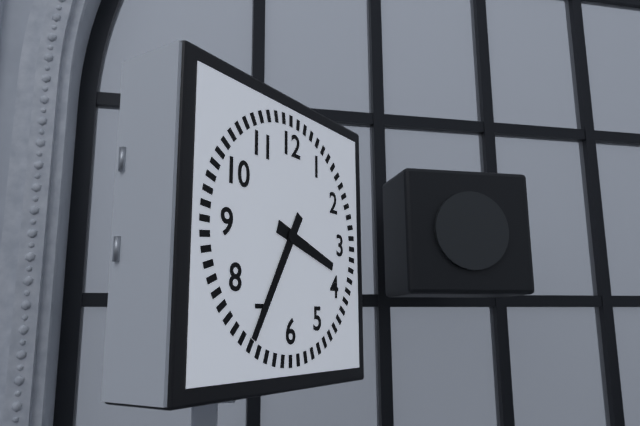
3:35
